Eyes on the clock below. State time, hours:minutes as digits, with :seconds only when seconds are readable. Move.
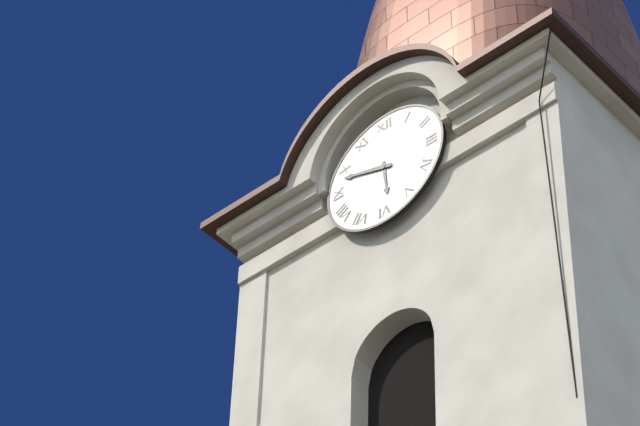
5:48
